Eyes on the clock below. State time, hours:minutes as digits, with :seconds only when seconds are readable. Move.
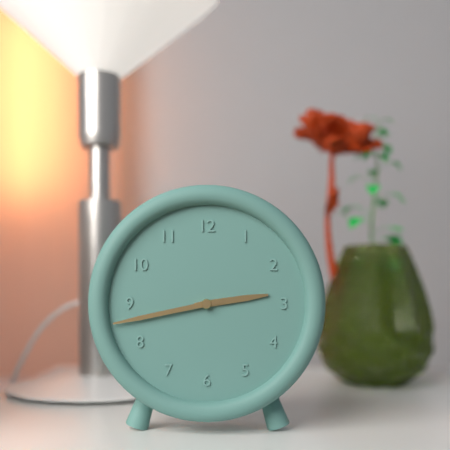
2:43
